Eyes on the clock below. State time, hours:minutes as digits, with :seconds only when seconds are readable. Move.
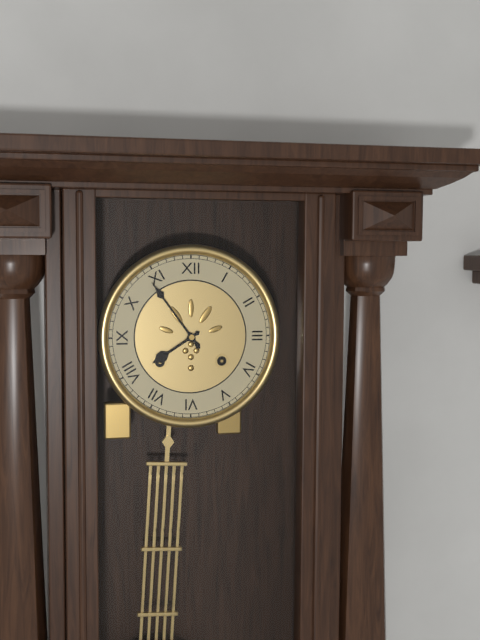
7:54
